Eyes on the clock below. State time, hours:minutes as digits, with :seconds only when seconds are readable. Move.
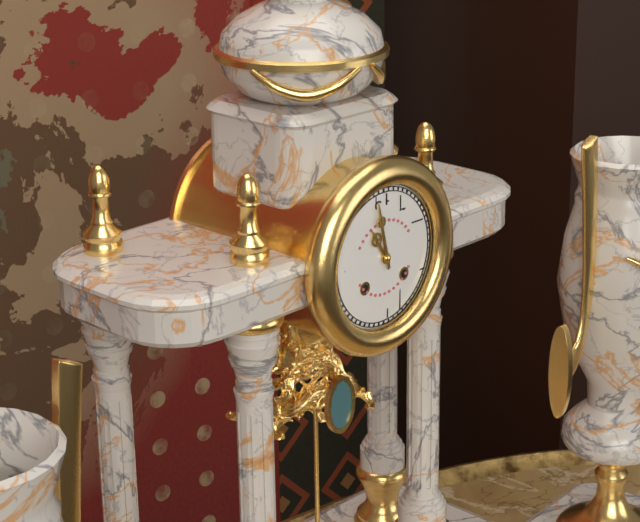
10:58
